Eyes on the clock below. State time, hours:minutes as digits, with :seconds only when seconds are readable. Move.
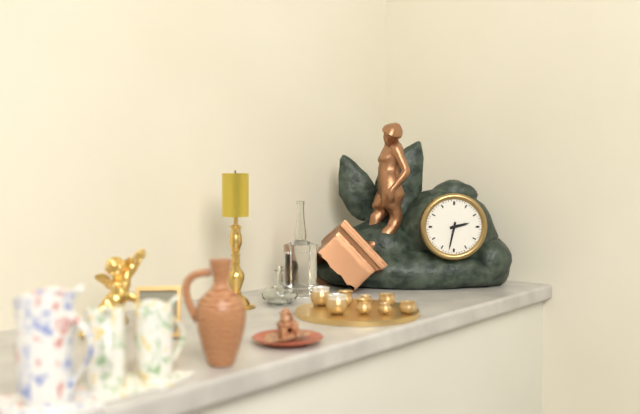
2:32
